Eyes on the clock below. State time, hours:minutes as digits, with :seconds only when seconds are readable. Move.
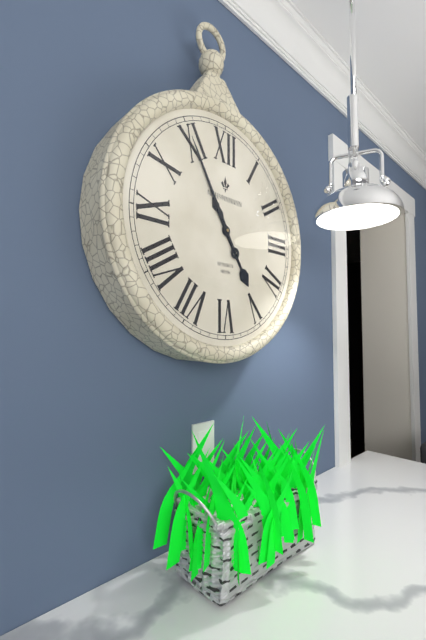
4:55
